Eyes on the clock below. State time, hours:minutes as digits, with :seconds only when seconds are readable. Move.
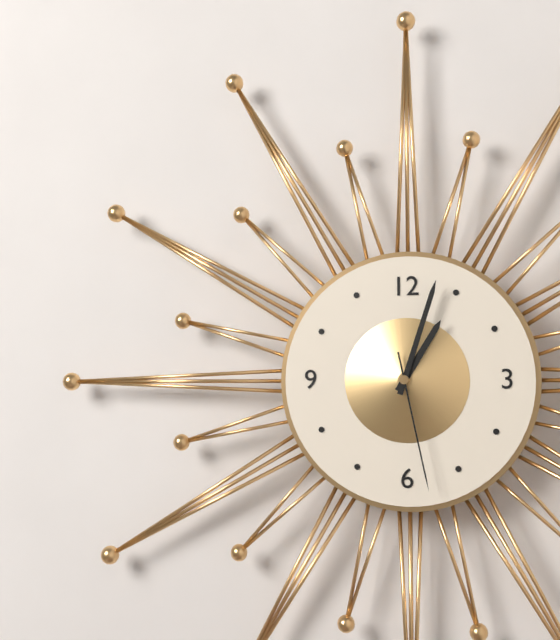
1:03:28
